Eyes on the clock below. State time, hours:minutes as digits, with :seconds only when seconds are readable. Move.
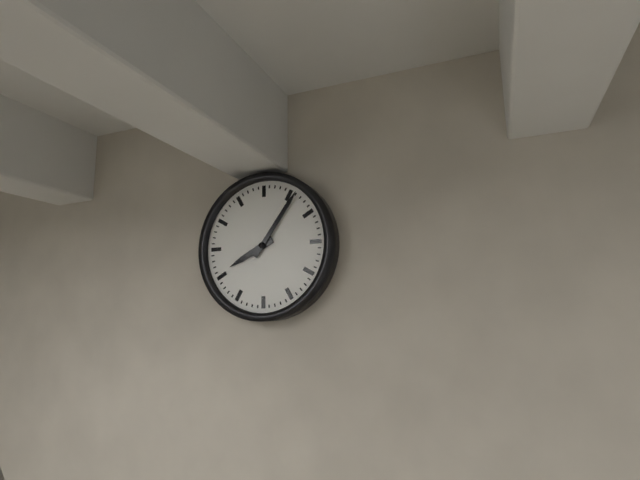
8:06
